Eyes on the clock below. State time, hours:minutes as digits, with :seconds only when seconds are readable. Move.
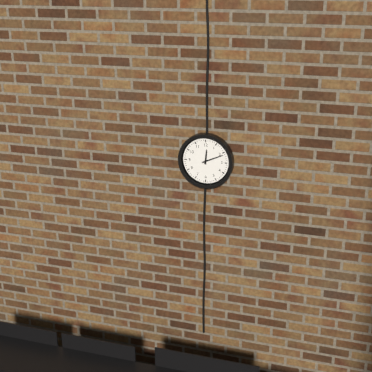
12:11
